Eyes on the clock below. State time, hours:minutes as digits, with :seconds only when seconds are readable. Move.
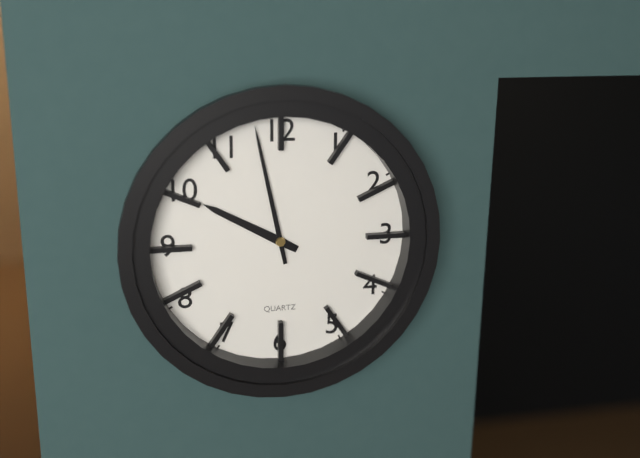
9:58
